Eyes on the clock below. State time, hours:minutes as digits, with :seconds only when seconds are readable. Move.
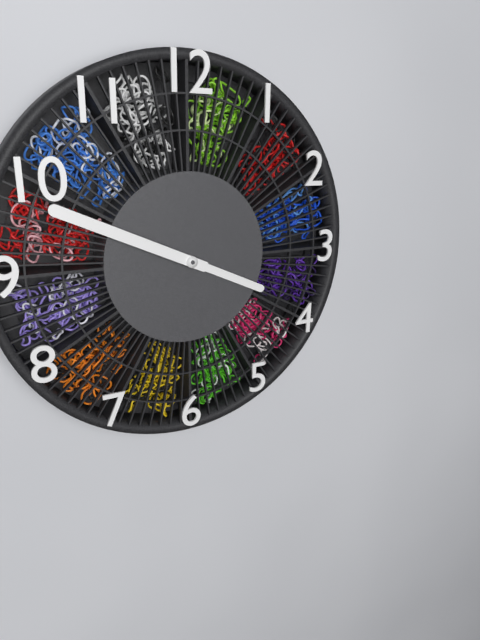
3:49
